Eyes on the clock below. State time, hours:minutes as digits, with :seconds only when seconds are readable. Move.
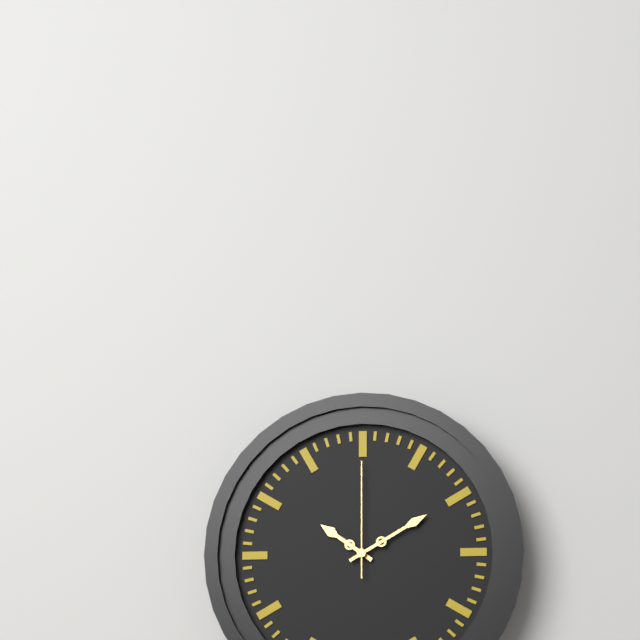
10:10:00
